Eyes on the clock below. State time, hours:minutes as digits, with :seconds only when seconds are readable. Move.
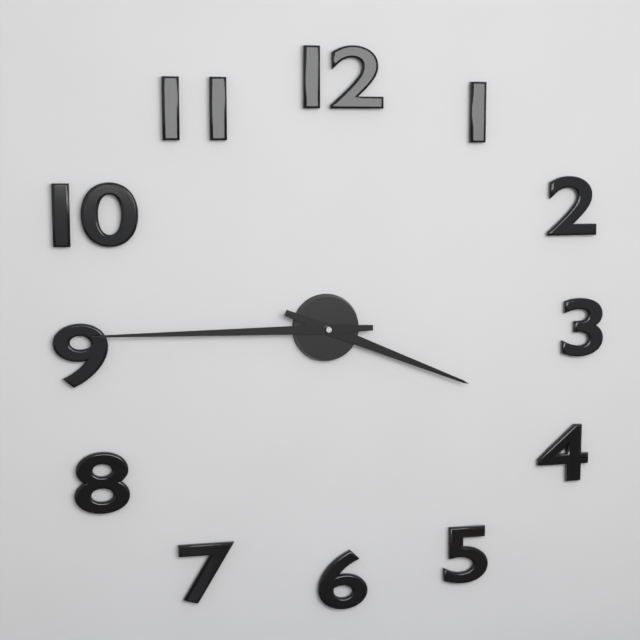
3:45
